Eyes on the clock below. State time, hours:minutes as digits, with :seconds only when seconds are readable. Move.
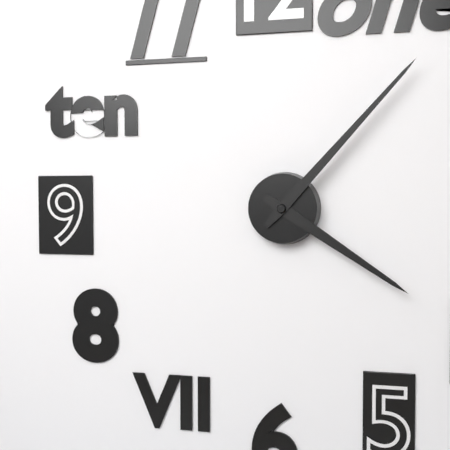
4:07
